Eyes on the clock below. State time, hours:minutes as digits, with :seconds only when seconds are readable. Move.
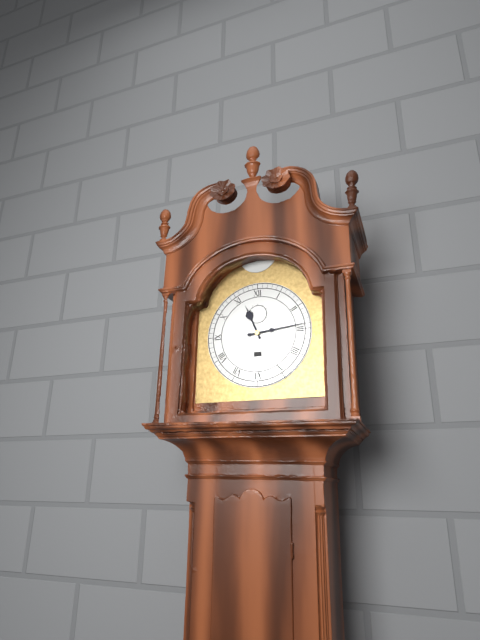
11:14
